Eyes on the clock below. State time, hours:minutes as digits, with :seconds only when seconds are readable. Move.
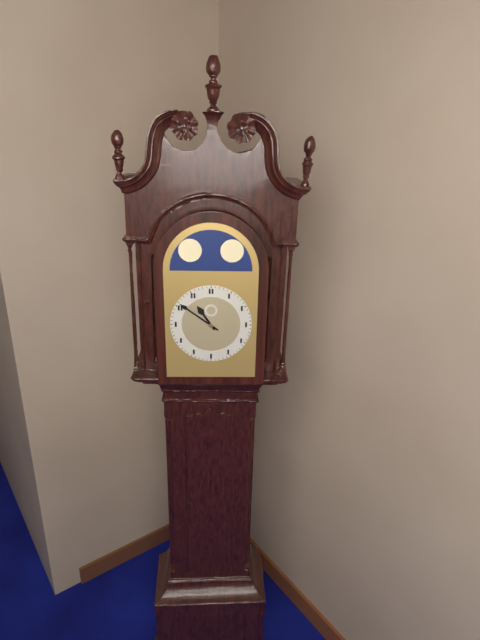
10:51
